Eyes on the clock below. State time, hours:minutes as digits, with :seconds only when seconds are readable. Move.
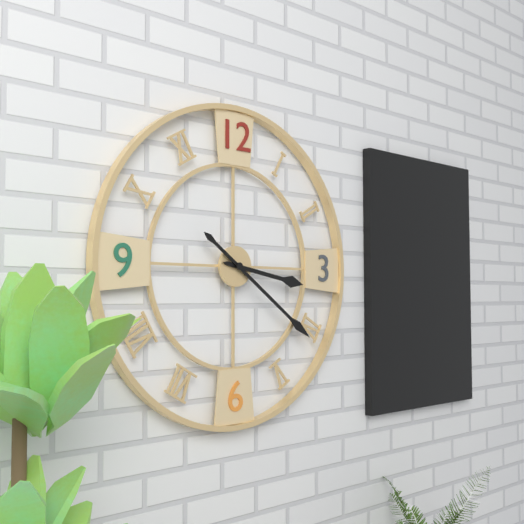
3:21
